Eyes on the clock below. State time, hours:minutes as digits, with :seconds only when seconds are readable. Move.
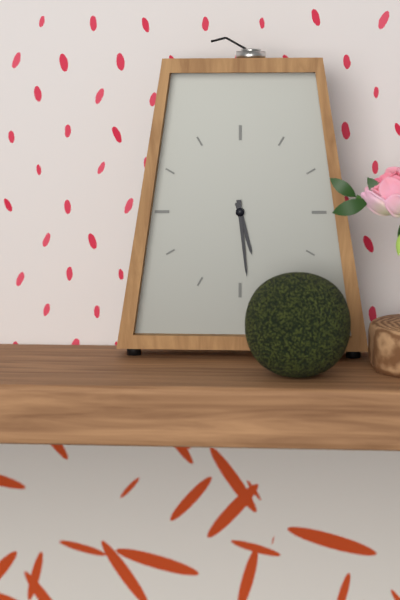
5:29
